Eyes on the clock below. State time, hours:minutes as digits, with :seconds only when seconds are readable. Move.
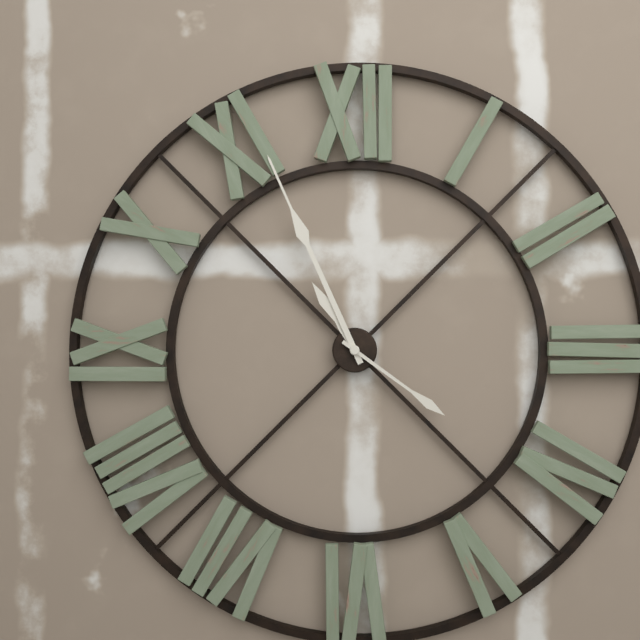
10:56:21
